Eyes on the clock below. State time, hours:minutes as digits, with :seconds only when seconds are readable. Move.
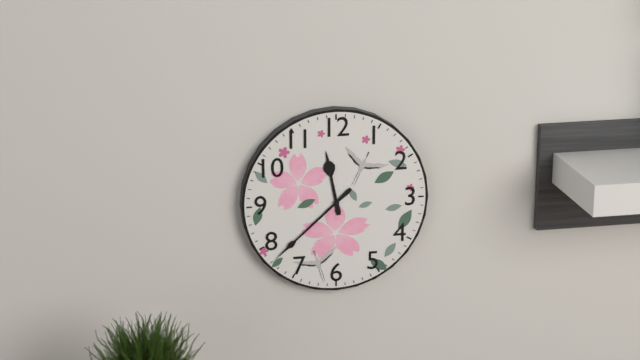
11:38
